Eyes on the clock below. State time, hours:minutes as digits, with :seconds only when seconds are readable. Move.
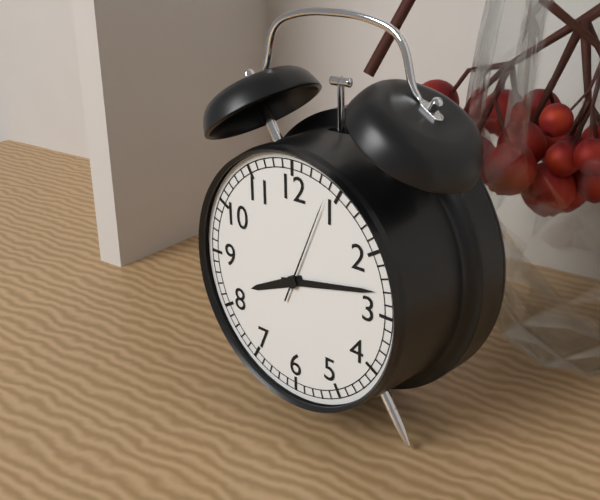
8:13:04
